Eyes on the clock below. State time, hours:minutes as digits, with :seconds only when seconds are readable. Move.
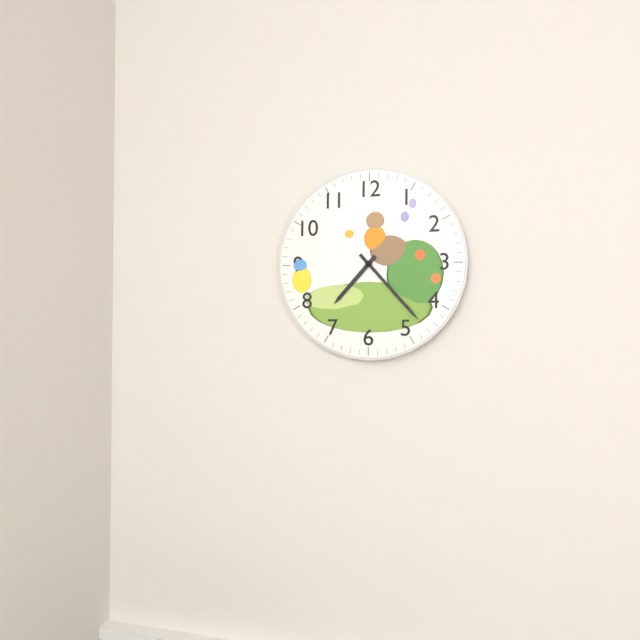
7:23
